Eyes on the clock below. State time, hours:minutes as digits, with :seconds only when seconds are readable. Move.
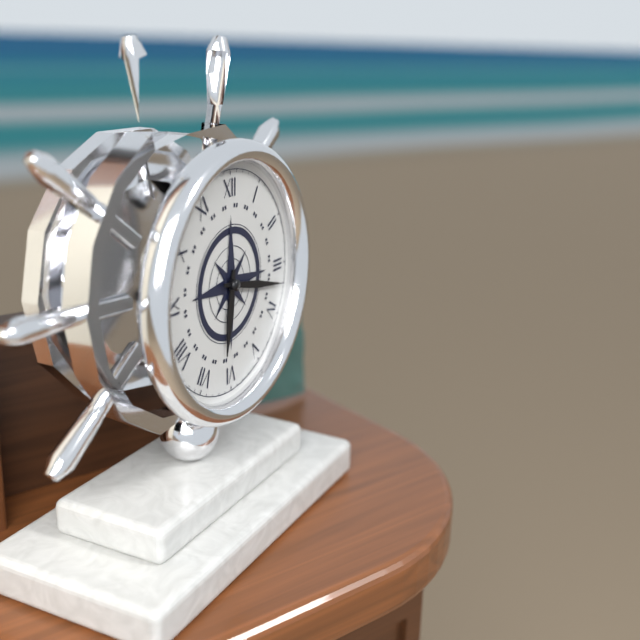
6:17
